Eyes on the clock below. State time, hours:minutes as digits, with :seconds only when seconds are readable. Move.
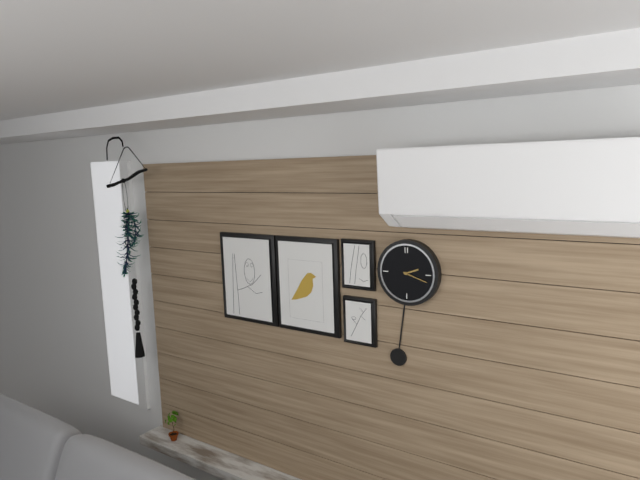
2:18
